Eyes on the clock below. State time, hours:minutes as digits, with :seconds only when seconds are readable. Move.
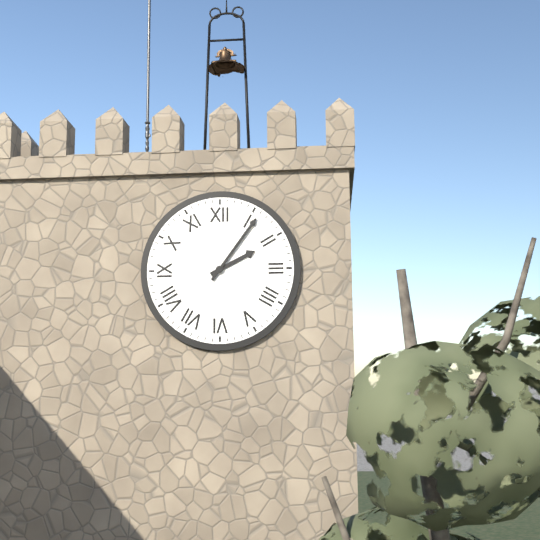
2:06
